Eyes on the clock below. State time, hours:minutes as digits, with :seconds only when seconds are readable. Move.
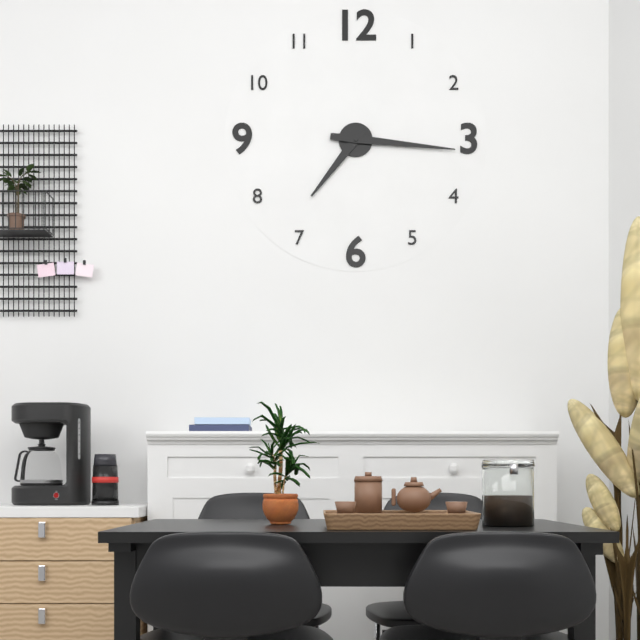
7:16
